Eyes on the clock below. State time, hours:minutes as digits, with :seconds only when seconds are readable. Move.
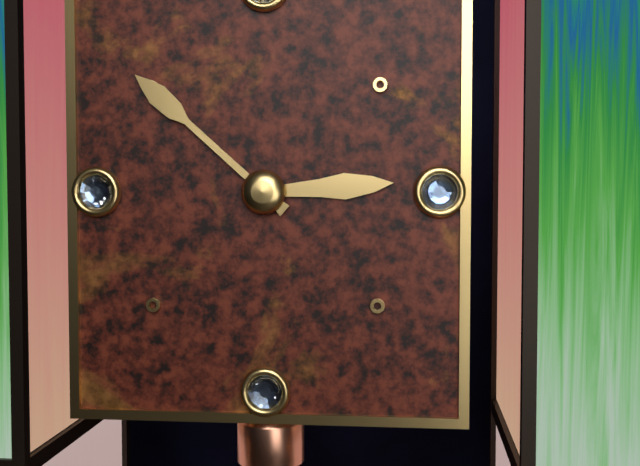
2:52
